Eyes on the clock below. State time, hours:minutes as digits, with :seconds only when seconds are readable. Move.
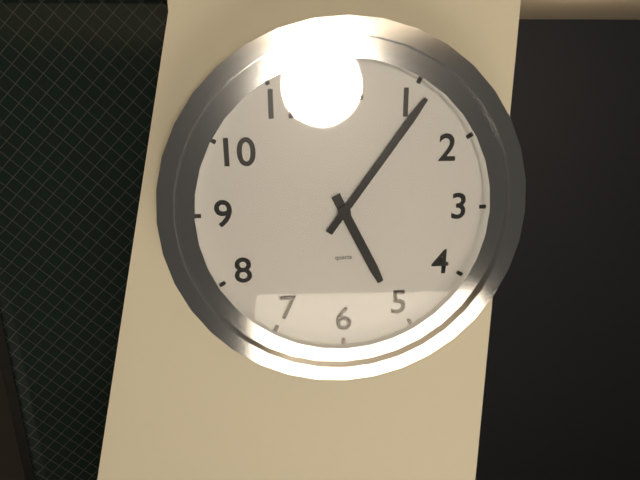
5:06
